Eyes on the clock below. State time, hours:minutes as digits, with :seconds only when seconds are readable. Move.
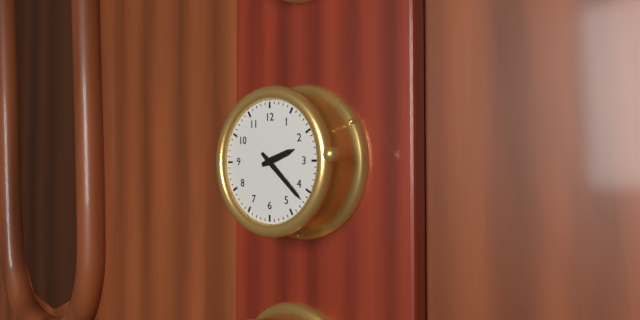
2:22
